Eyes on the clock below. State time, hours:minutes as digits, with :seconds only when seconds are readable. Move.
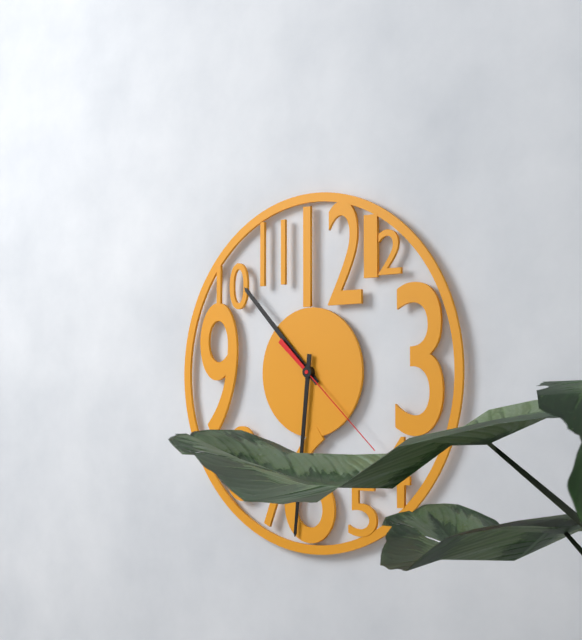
10:31:22
